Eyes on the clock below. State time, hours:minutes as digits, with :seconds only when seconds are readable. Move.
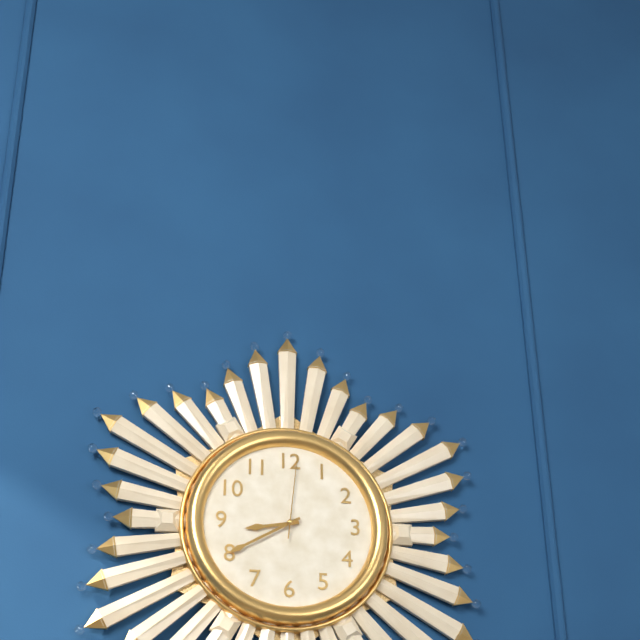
8:40:01
